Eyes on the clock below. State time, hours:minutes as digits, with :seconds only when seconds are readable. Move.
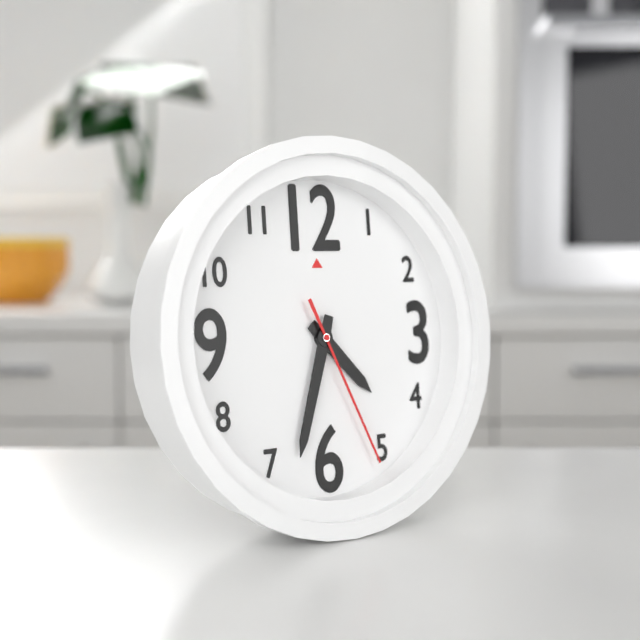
4:33:26
